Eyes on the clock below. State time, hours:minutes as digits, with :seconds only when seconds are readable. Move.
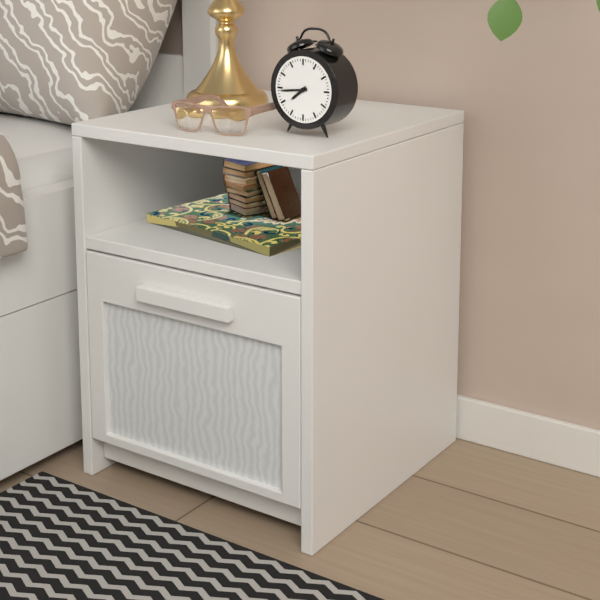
7:44
